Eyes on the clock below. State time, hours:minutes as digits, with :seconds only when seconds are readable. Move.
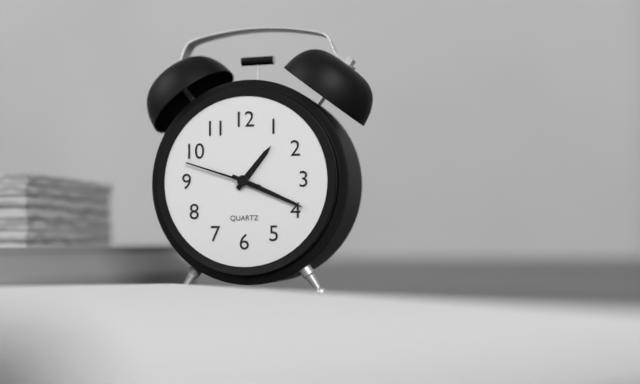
1:19:48
